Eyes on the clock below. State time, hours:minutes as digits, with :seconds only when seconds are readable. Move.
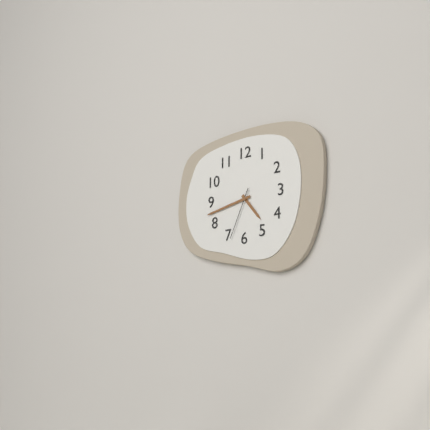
4:43:34
